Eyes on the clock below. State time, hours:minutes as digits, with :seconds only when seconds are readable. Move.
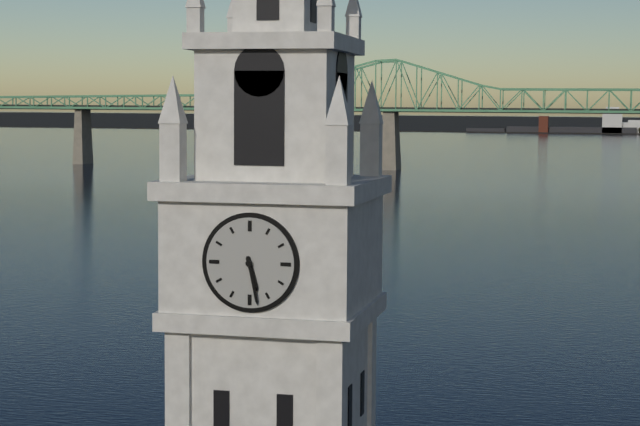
5:28
